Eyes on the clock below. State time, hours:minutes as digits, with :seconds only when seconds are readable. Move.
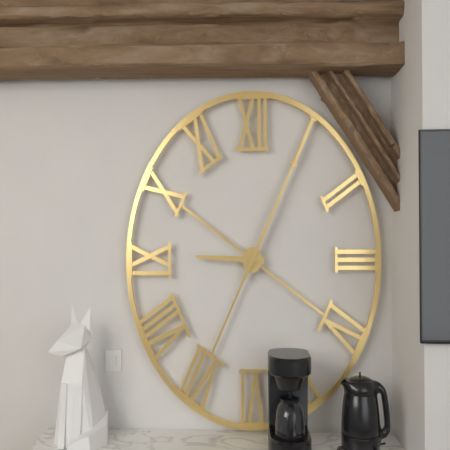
9:05
